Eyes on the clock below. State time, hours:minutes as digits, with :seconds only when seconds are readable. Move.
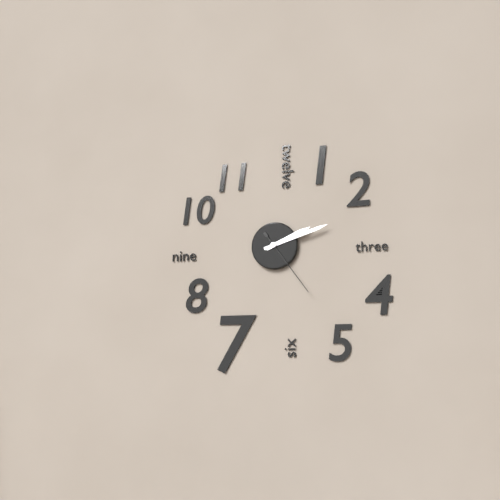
2:12:24
